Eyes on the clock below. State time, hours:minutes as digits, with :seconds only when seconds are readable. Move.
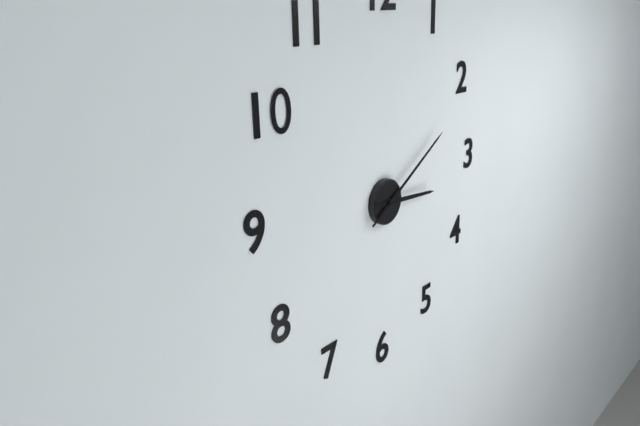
3:10
